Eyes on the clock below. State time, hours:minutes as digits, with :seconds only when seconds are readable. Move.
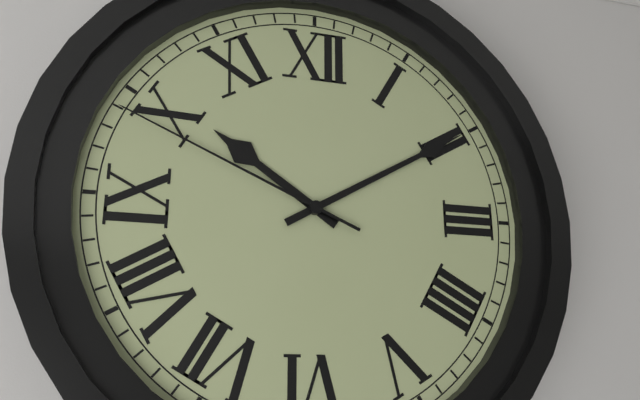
10:10:49
